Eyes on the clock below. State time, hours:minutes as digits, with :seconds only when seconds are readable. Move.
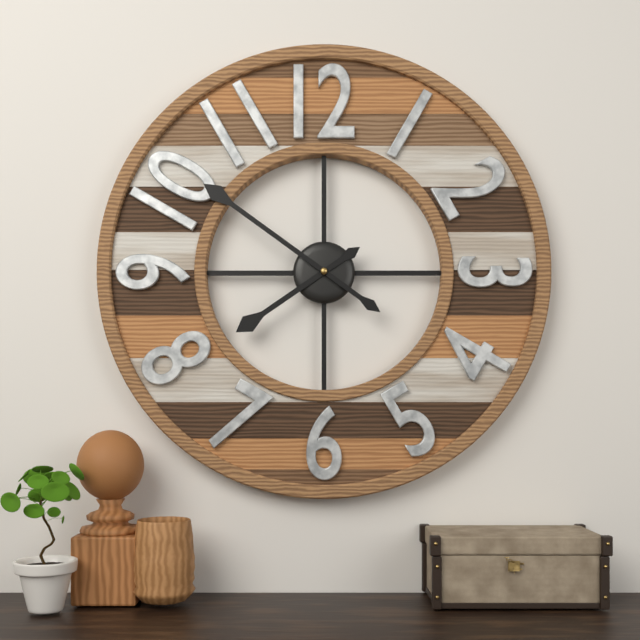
7:51
